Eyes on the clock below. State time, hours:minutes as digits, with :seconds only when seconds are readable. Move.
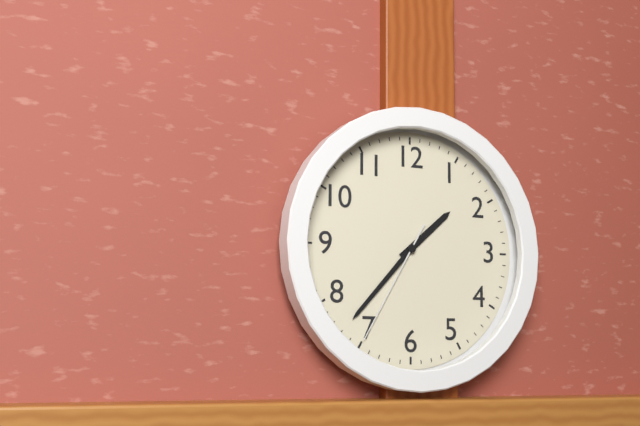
1:37:35
